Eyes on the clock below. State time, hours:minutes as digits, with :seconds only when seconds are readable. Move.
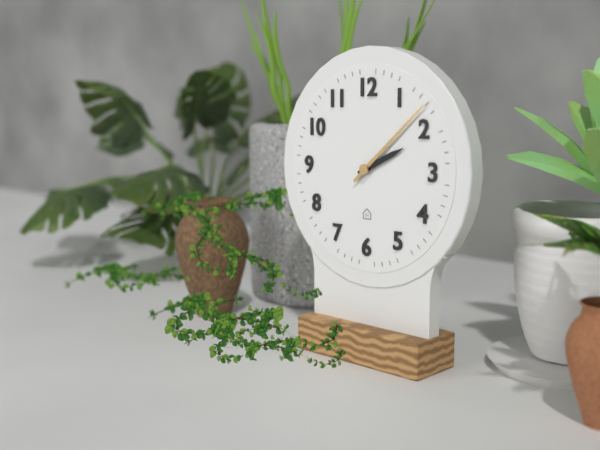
2:08
